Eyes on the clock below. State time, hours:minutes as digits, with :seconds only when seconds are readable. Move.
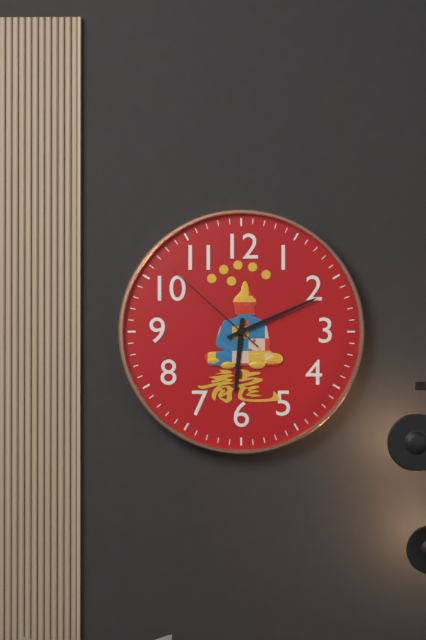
6:11:52
